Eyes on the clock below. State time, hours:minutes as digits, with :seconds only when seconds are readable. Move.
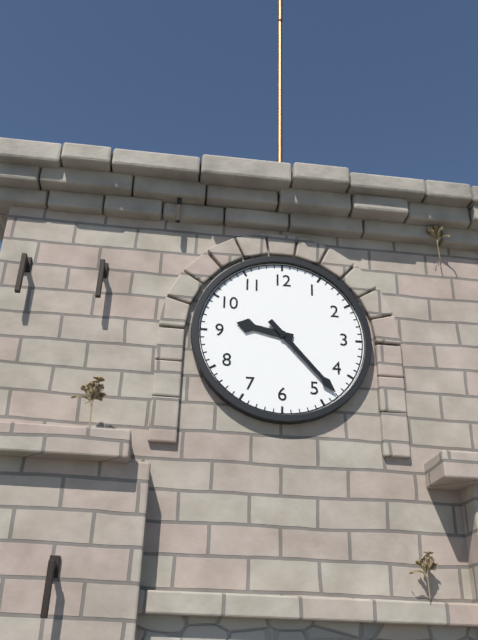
9:23
